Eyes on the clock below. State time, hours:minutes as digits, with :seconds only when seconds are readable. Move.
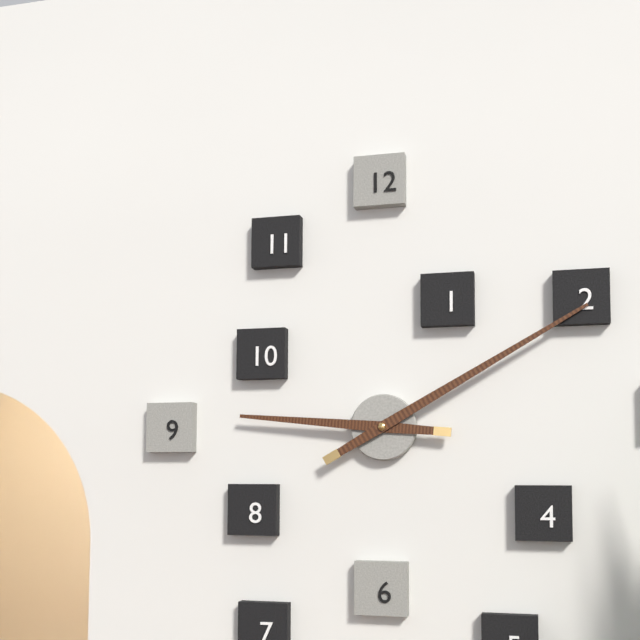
9:10
